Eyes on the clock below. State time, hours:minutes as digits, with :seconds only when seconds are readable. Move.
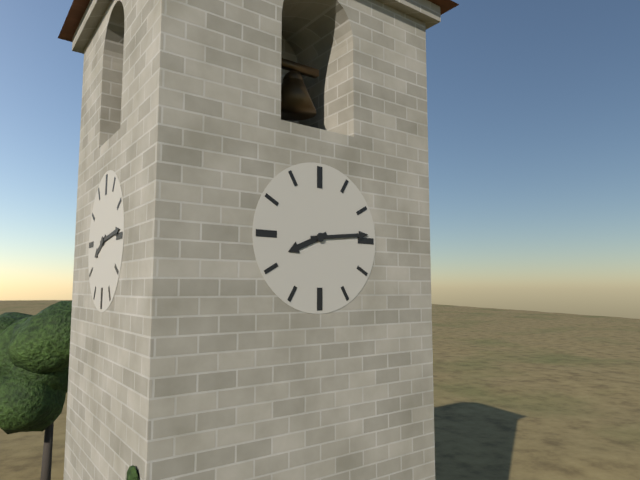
8:14
